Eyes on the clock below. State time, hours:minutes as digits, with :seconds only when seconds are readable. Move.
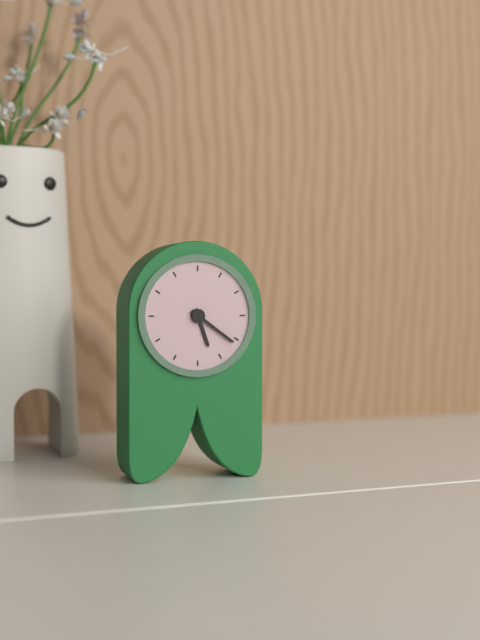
5:21
